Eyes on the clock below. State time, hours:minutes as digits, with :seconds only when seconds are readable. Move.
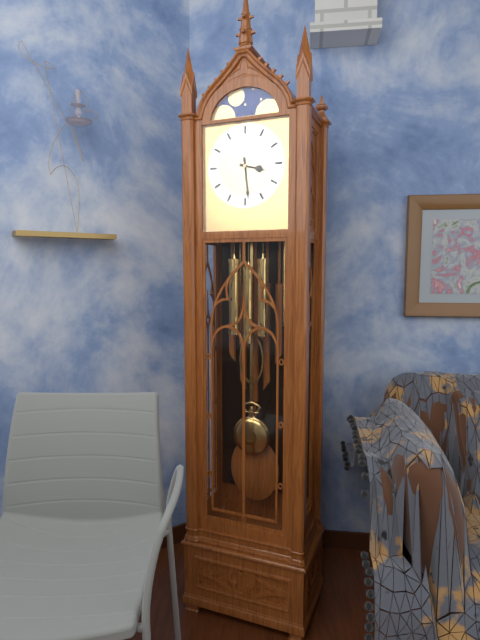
3:29
